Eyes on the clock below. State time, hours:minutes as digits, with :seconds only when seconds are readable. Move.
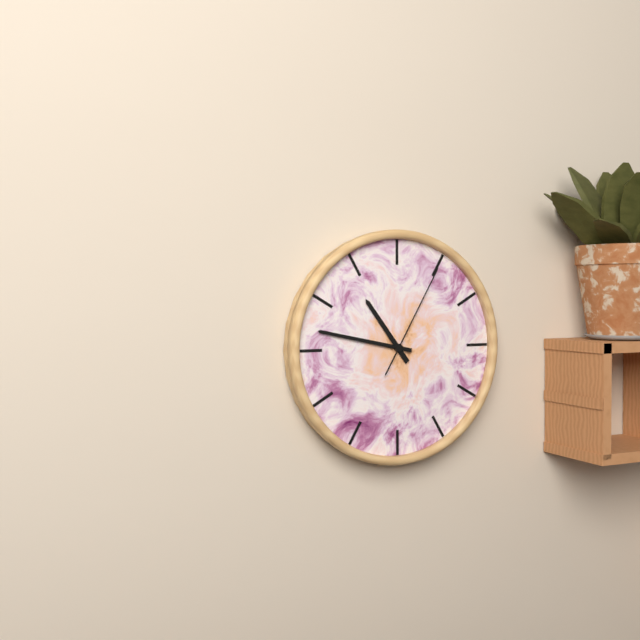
10:47:05
